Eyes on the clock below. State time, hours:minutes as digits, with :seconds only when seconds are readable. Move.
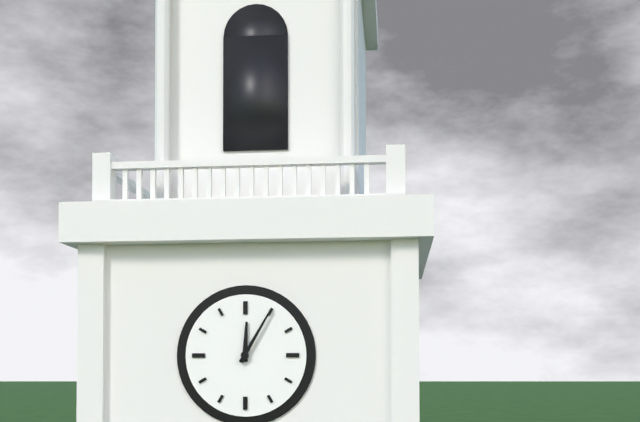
12:05
